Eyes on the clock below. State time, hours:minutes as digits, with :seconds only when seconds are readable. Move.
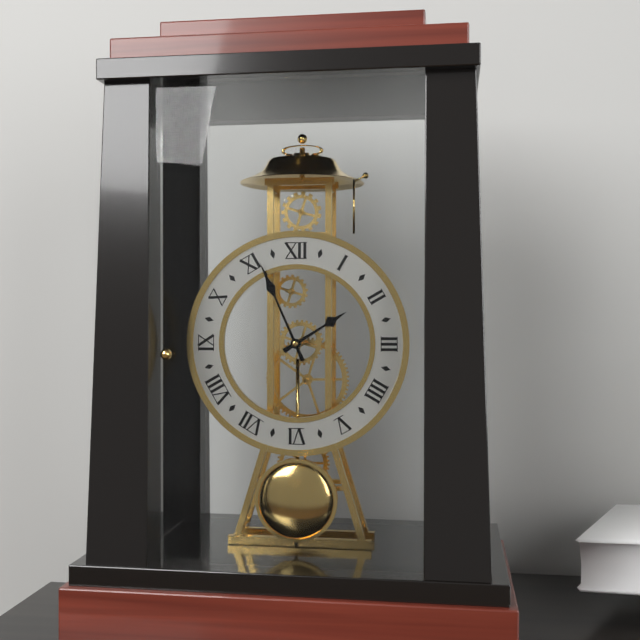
1:56
